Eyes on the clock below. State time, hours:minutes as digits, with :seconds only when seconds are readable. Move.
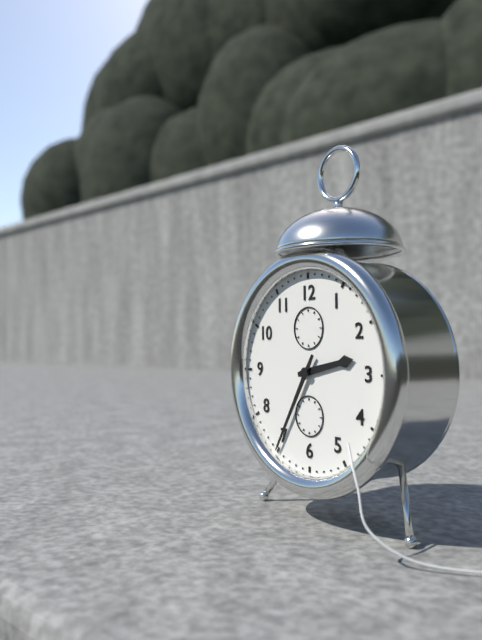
2:35
